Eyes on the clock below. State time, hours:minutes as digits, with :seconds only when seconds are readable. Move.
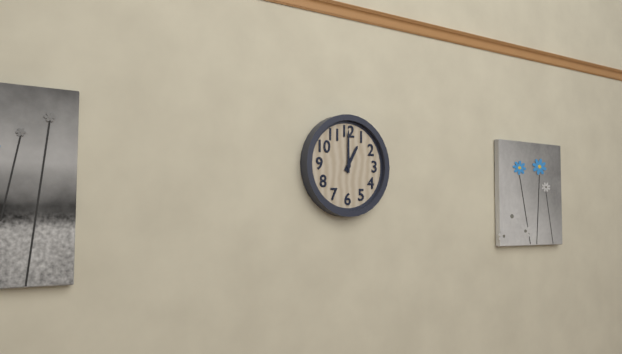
1:00
